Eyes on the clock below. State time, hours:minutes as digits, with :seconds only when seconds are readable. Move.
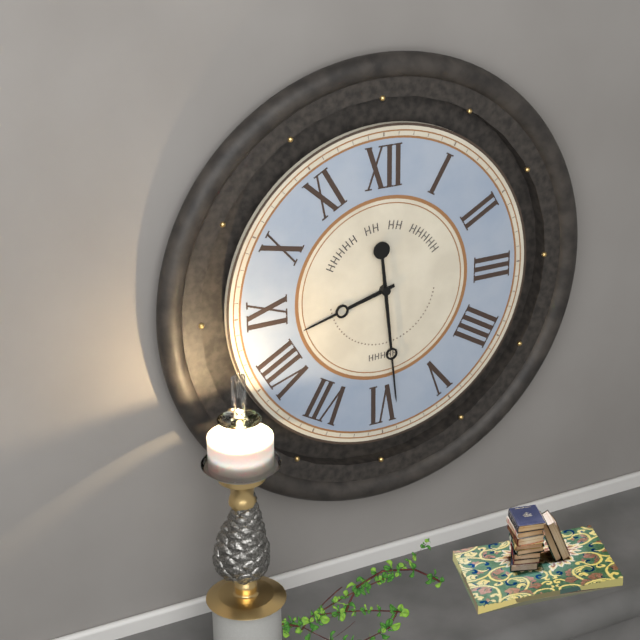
8:29
